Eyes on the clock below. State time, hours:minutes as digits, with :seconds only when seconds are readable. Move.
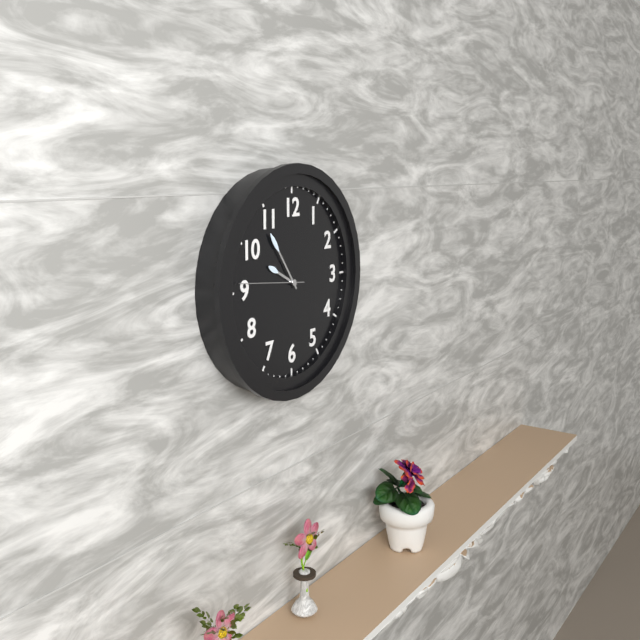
9:54:46
